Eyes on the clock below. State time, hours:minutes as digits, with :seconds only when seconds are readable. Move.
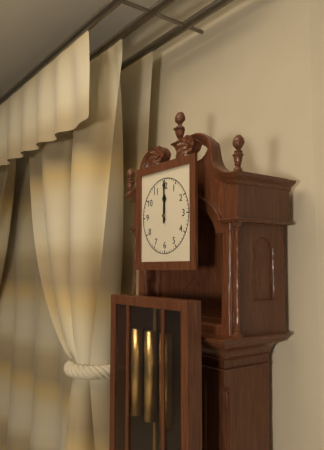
12:00
